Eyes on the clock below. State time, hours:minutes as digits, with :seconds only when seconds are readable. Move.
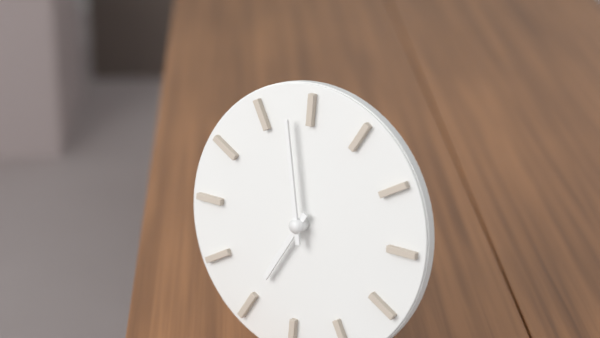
6:58
